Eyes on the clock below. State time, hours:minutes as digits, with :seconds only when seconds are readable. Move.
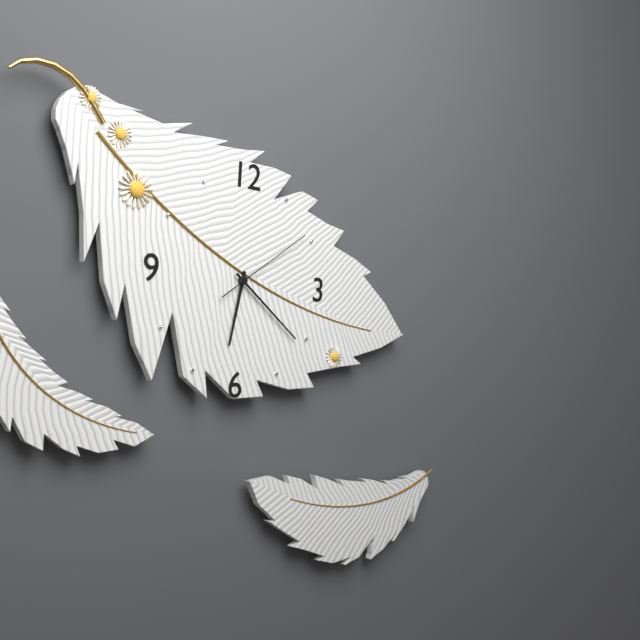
6:21:09
